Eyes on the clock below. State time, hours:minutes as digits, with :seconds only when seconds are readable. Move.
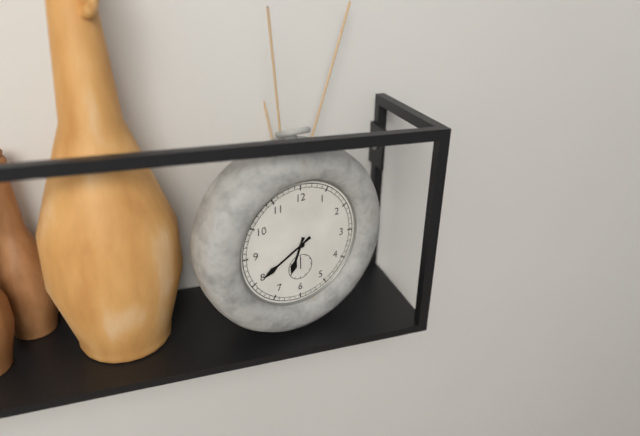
6:40
